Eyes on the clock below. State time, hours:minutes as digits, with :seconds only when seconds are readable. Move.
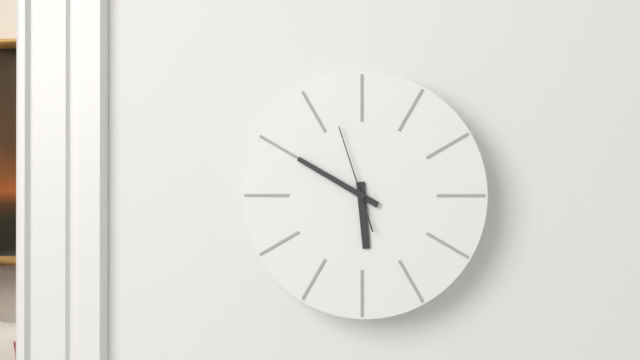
5:50:57
